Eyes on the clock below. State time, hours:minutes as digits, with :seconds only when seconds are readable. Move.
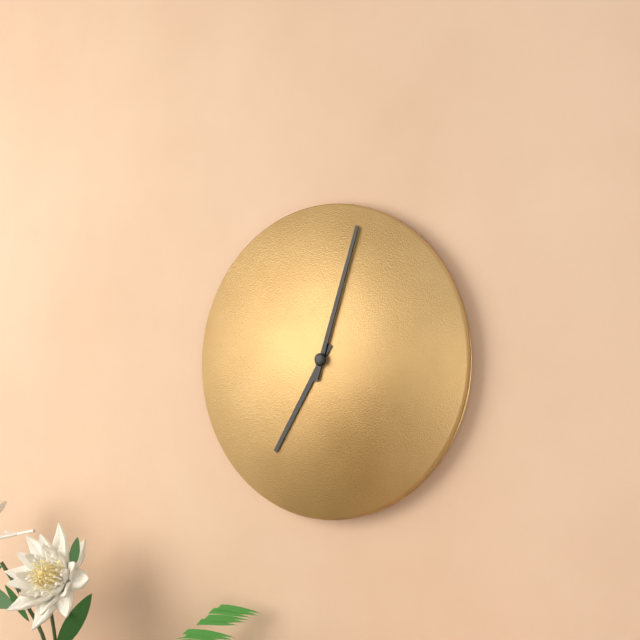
7:03
